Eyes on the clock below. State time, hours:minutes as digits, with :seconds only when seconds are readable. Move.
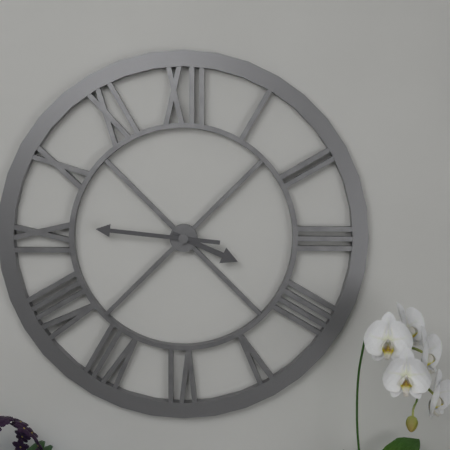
3:46
